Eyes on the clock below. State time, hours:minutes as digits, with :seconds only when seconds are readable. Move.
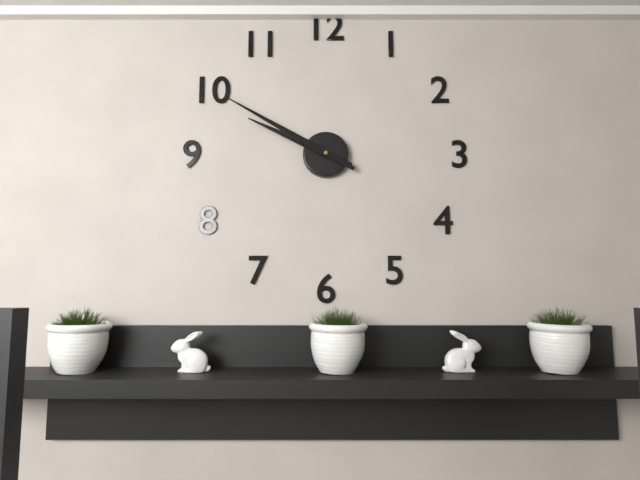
9:50
